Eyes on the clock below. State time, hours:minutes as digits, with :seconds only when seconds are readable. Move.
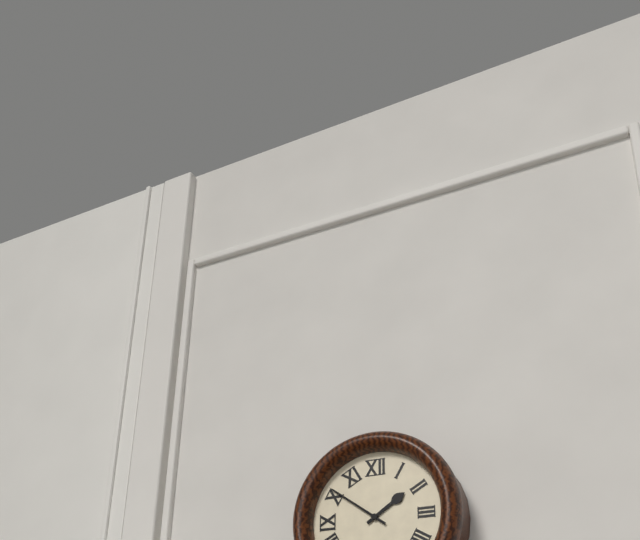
1:51
